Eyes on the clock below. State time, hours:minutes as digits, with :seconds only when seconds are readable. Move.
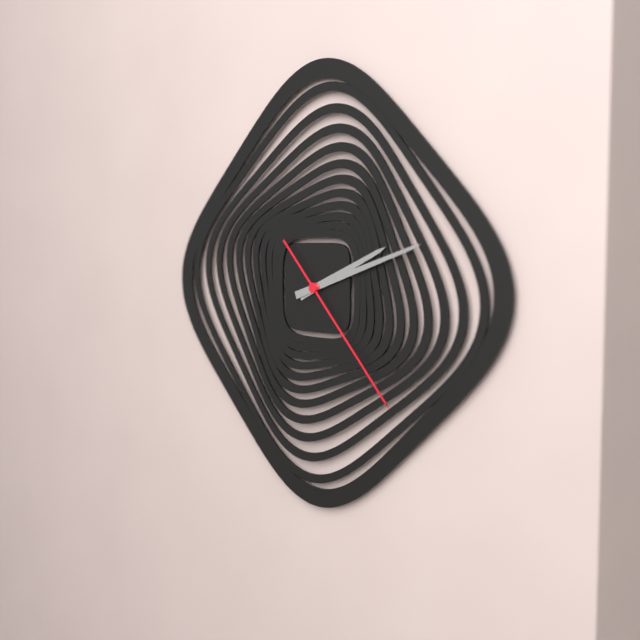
2:12:23
